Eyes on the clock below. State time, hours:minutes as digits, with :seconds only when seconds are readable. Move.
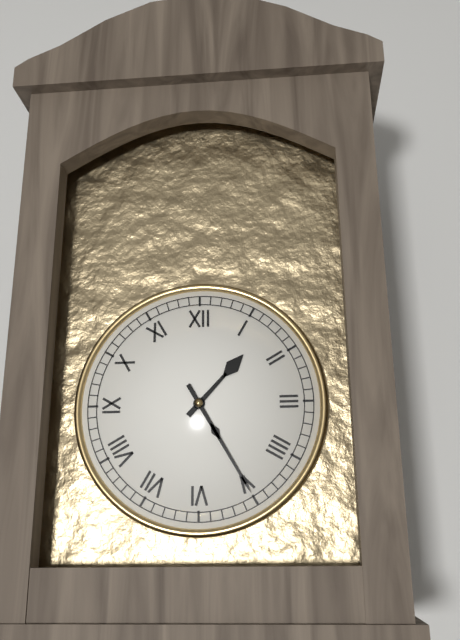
1:25
